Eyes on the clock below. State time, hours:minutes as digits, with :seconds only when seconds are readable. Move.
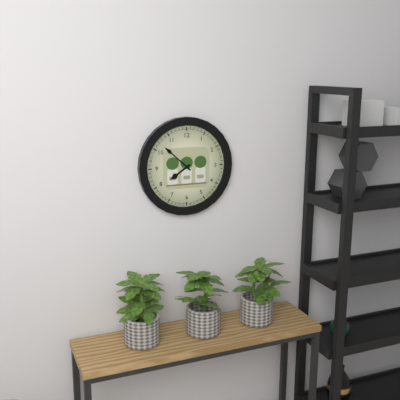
7:52
